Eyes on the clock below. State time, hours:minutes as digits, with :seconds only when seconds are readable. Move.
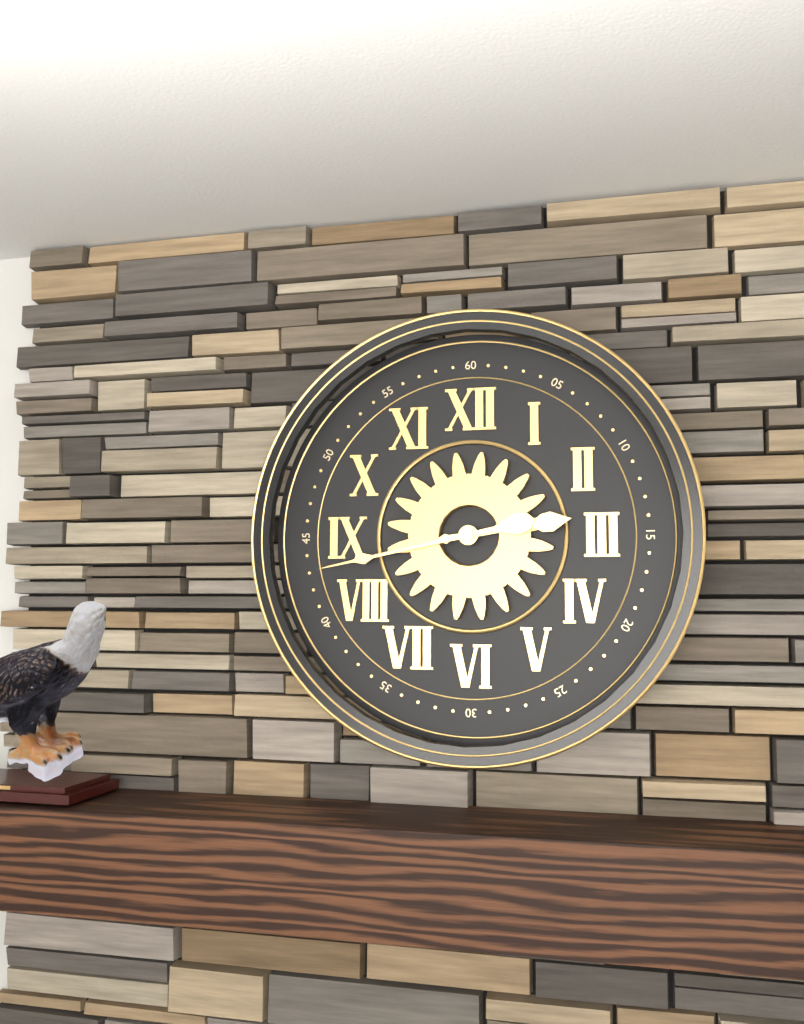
2:43
